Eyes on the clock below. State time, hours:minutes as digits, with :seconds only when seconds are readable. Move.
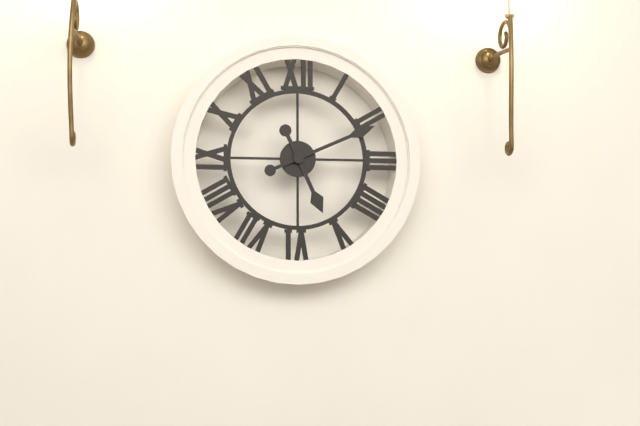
5:11
